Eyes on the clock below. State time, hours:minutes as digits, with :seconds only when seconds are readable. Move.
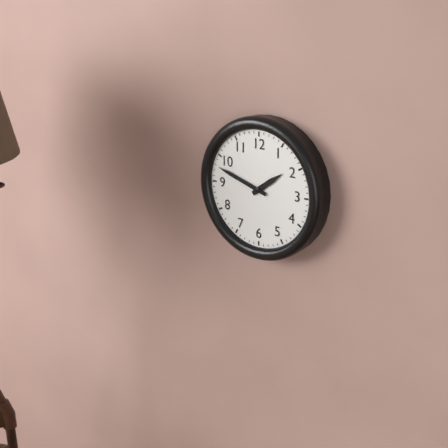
1:48
